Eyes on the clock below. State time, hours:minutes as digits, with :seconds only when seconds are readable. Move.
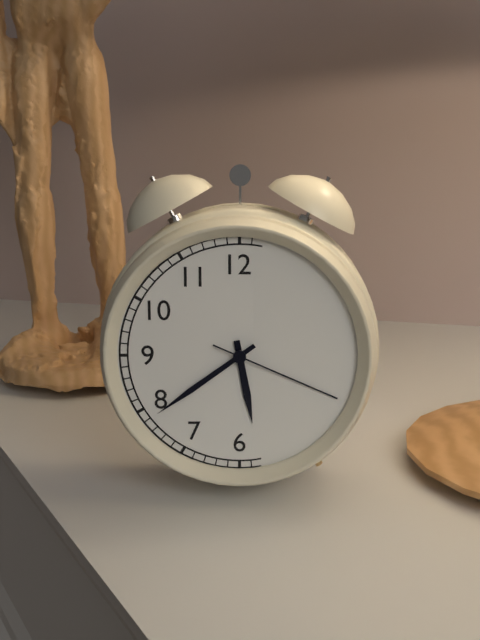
5:39:19
